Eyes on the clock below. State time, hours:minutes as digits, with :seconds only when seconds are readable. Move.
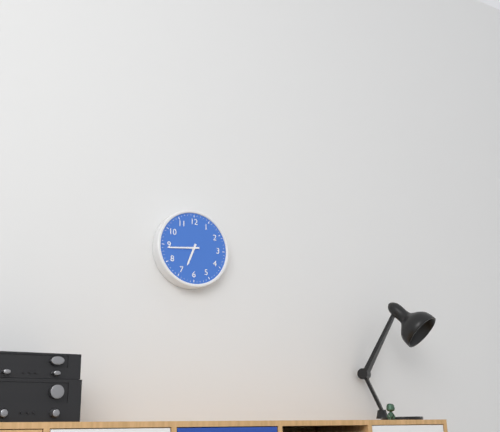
6:44
